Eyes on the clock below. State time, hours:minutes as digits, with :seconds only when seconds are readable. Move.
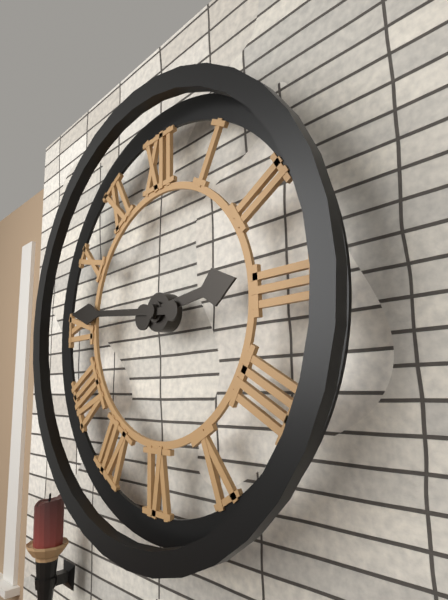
2:46
